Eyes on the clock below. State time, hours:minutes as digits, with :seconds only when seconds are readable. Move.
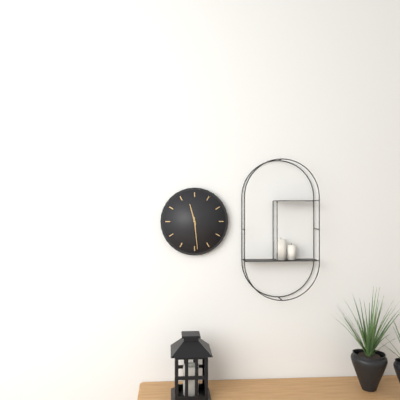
11:29
